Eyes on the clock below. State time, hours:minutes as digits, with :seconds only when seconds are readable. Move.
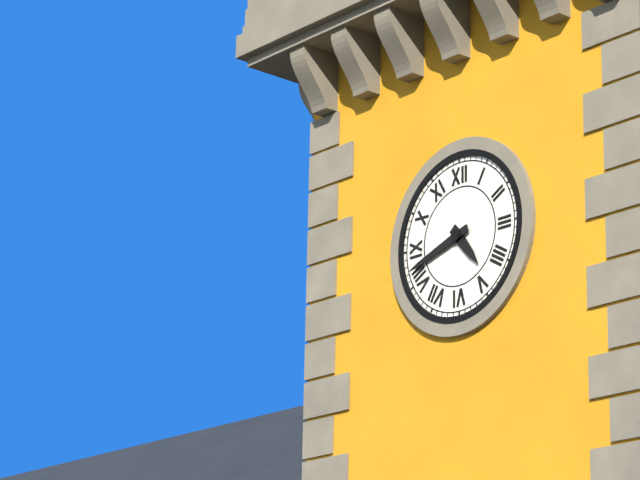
4:42
